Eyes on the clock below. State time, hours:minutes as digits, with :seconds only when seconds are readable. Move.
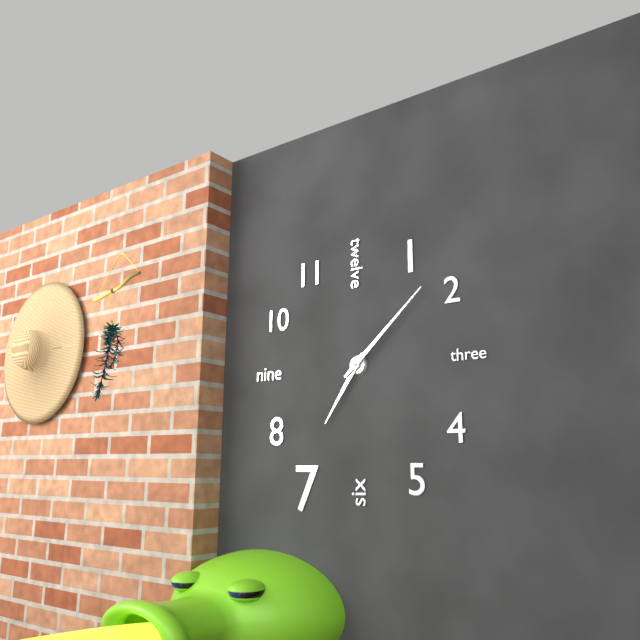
7:08
